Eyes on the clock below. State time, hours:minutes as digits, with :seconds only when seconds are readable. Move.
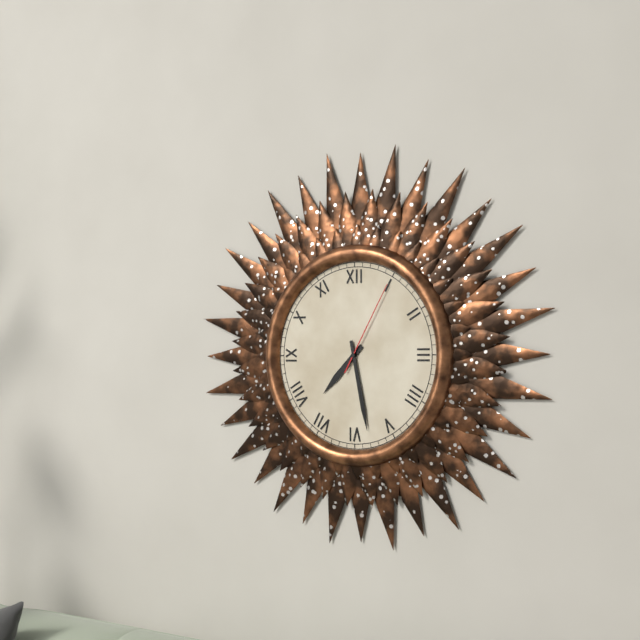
7:28:05
